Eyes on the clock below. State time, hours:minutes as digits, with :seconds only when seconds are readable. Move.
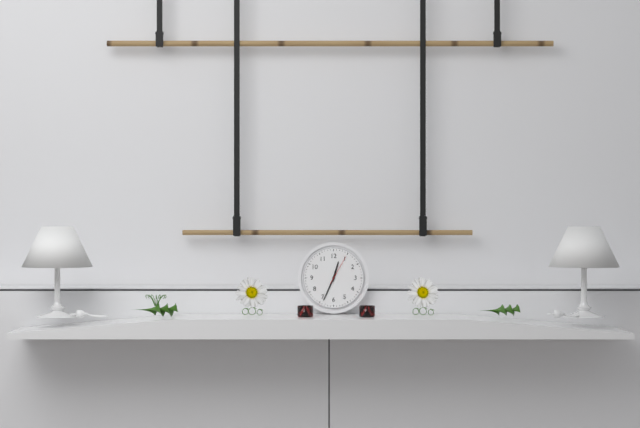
12:34
